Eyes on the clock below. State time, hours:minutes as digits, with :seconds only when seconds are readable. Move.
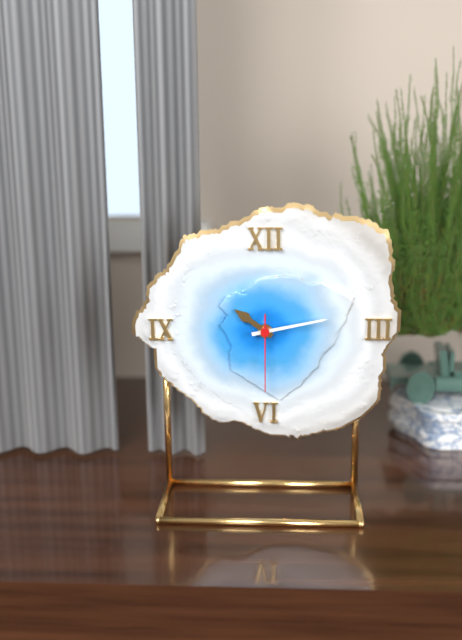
10:13:30
